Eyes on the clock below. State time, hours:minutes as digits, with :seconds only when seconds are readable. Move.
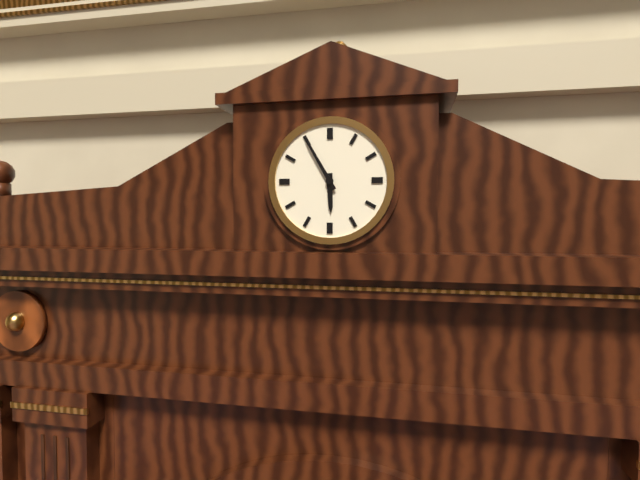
5:55
